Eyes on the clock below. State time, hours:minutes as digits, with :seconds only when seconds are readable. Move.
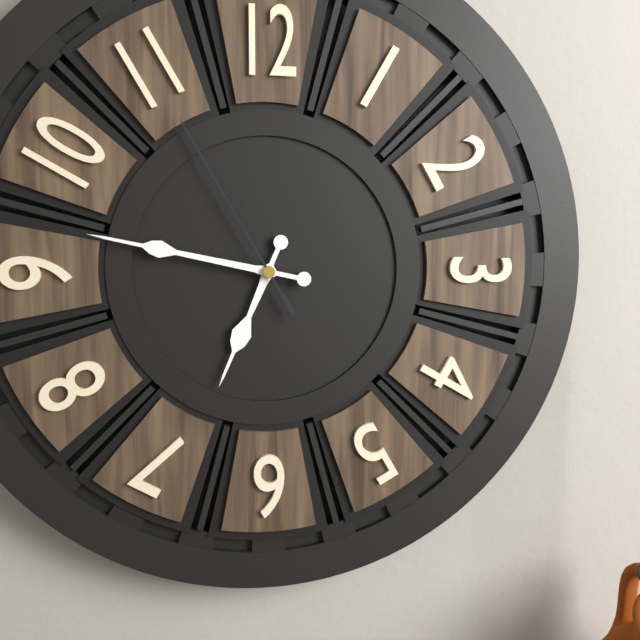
6:47:55
